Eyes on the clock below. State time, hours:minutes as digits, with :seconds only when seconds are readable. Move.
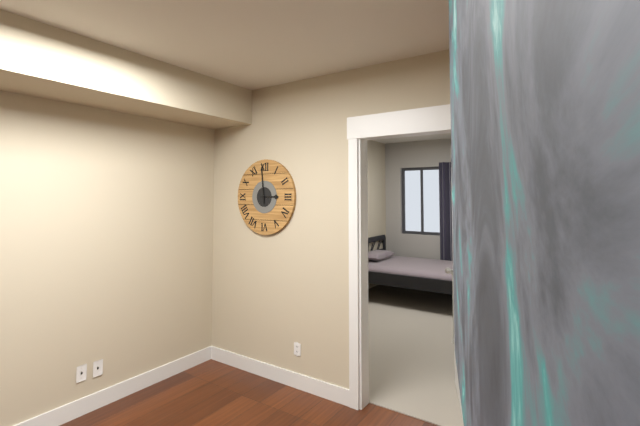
2:59
